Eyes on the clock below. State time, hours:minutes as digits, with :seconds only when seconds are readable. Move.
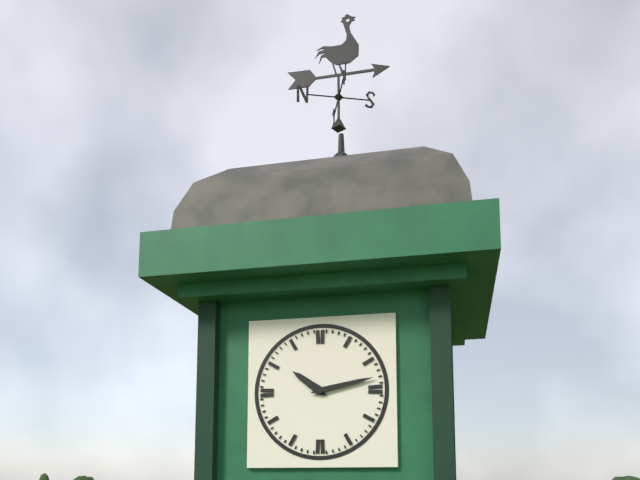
10:13
